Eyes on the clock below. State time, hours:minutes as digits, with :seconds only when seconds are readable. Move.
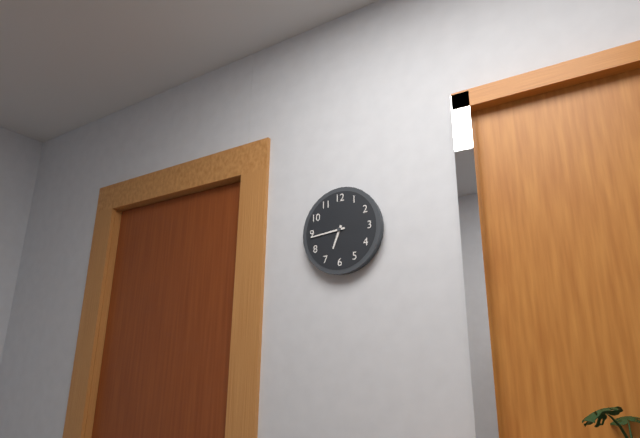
6:44
